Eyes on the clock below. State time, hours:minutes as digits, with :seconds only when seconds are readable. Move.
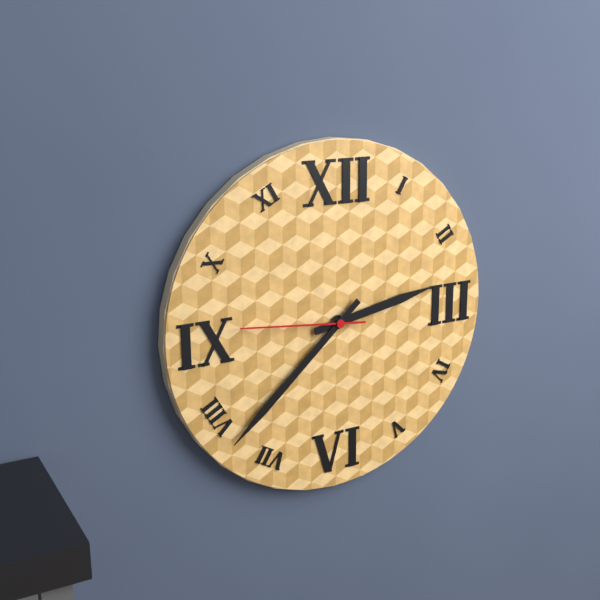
2:38:46
